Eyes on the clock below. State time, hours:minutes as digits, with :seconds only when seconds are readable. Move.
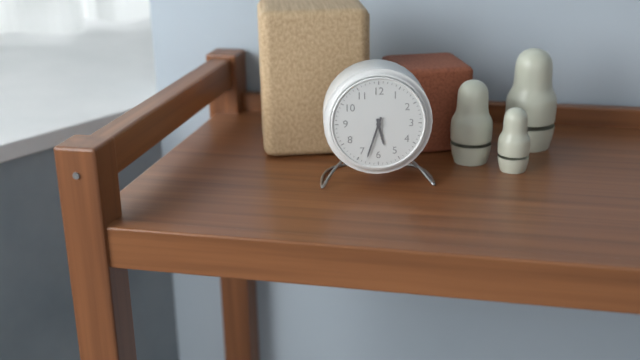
5:33
